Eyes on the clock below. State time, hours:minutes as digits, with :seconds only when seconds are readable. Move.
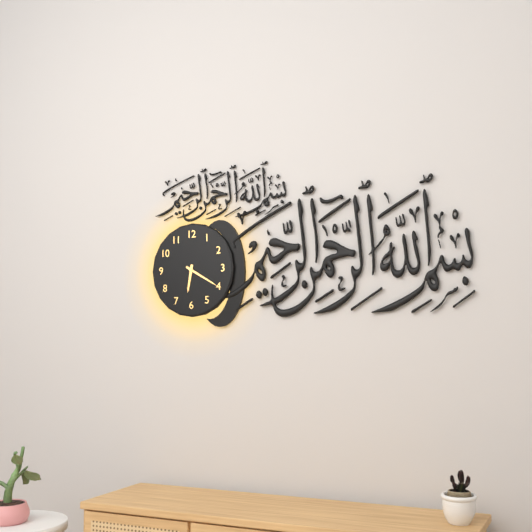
6:20
